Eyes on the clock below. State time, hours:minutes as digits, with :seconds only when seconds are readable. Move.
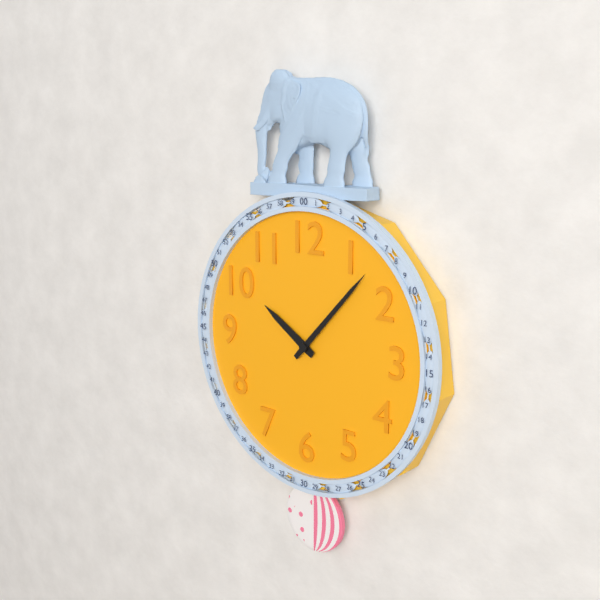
10:07
